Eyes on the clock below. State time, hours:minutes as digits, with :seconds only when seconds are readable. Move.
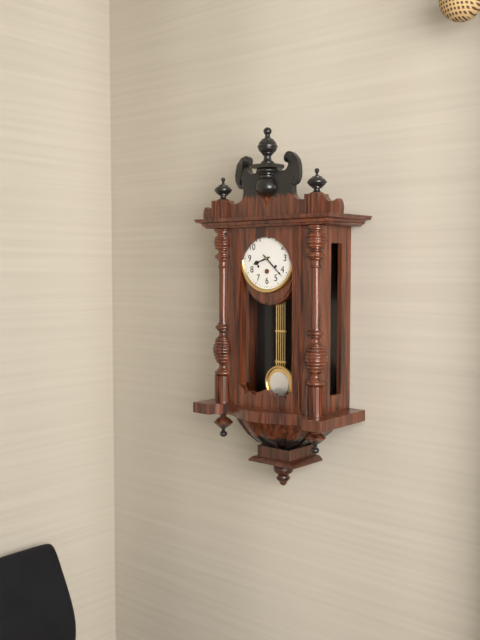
8:22
